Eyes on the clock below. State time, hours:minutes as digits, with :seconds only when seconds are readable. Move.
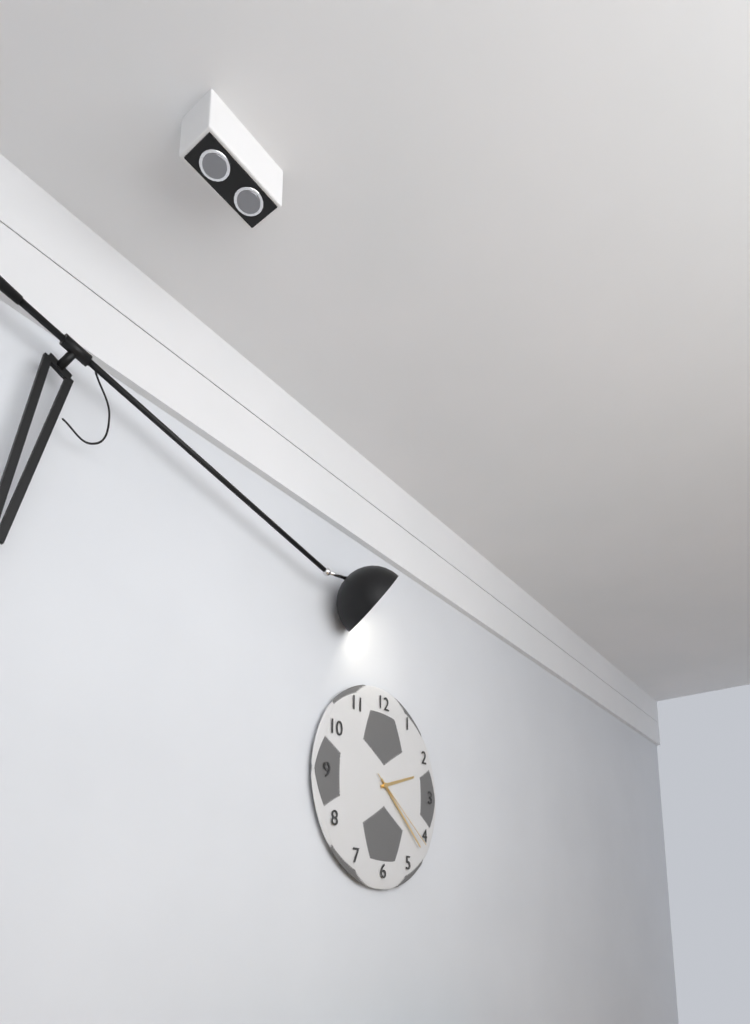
2:22:21
